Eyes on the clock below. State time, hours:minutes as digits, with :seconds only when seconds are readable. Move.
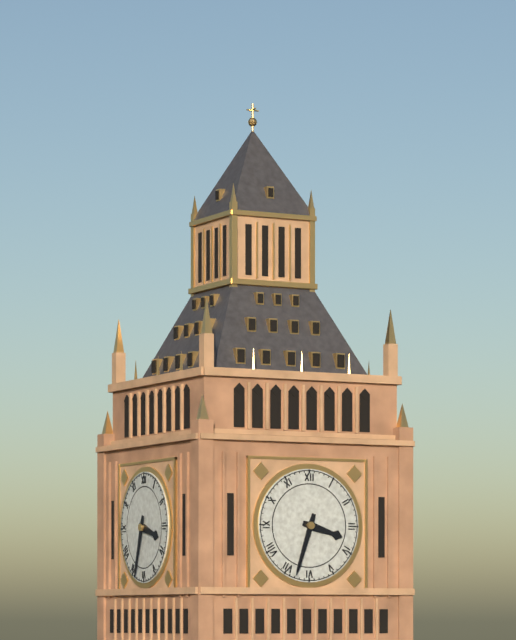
3:33
